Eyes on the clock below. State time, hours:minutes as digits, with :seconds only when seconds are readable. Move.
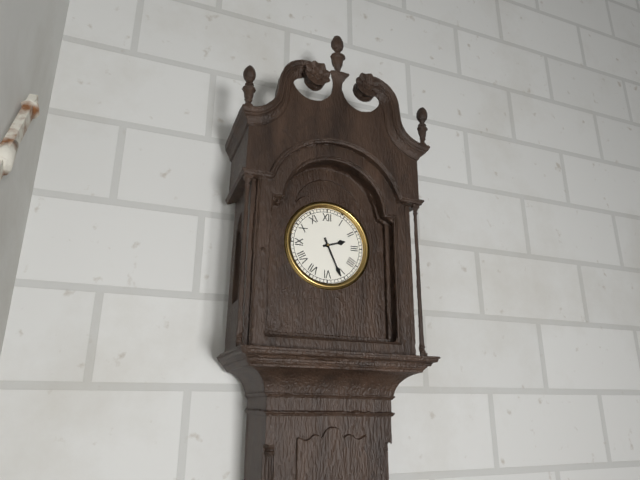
2:26
